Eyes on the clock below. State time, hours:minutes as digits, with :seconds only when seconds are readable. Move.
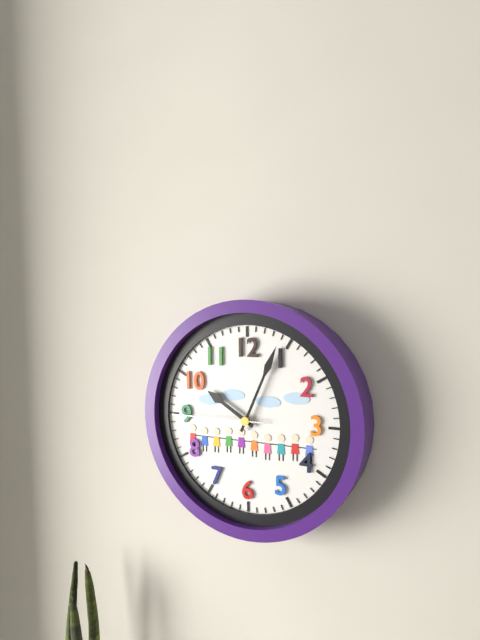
10:04:45
